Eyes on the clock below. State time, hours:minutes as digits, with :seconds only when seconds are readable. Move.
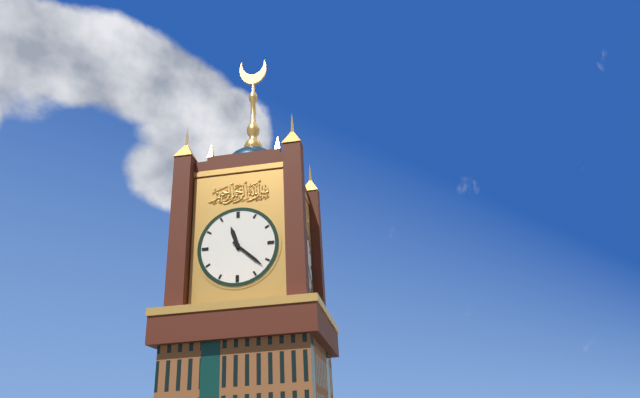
11:22
